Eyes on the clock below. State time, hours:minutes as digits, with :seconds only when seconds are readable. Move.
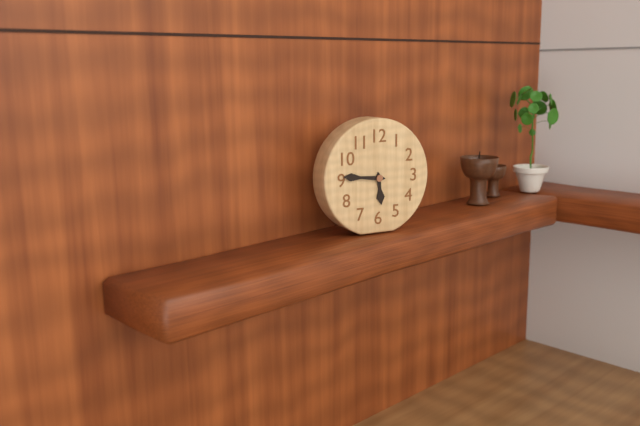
5:46
